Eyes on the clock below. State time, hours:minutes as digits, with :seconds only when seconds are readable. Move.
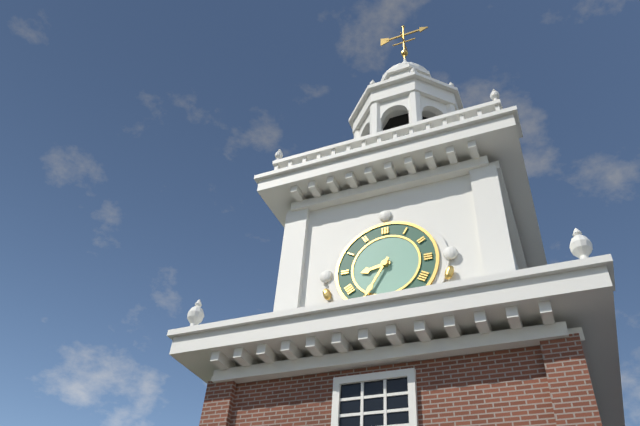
8:35
